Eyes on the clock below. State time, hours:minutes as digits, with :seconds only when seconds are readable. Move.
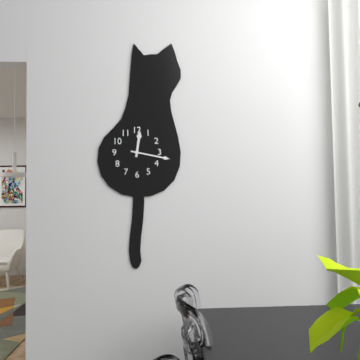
12:17
